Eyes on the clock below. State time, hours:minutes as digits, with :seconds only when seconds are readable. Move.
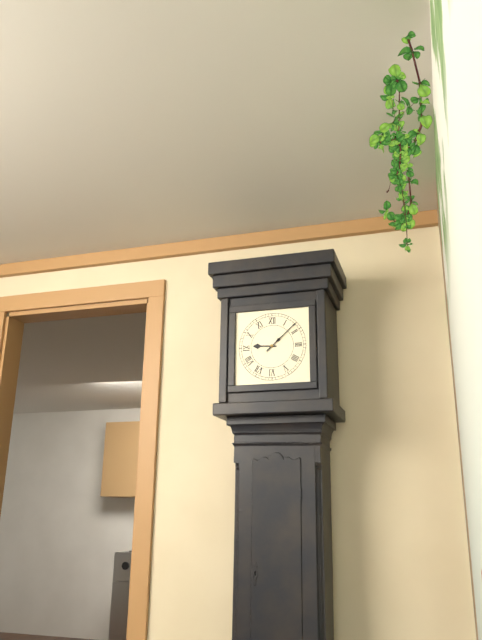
9:08
